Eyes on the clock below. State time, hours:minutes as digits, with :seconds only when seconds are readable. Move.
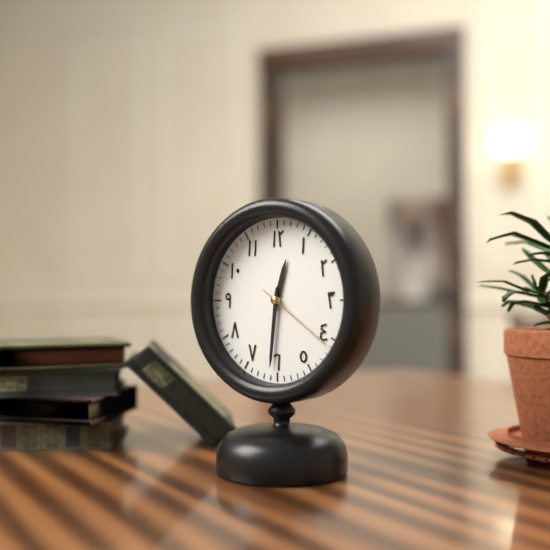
12:31:21
